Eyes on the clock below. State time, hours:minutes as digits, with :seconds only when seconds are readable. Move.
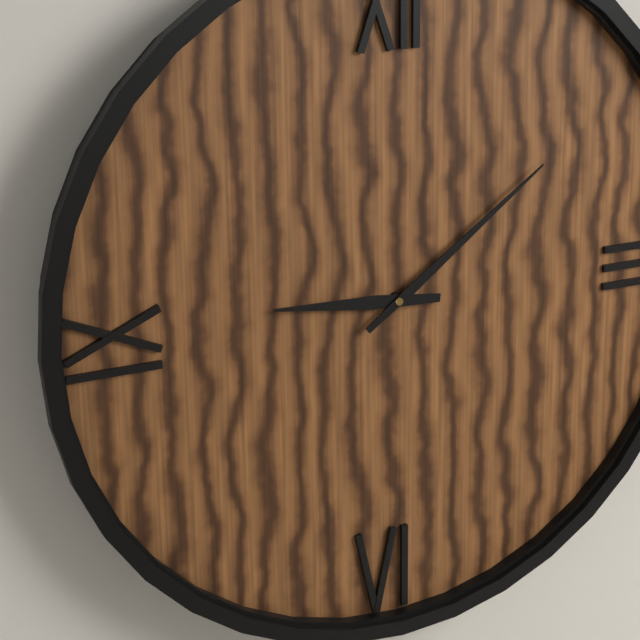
9:09
